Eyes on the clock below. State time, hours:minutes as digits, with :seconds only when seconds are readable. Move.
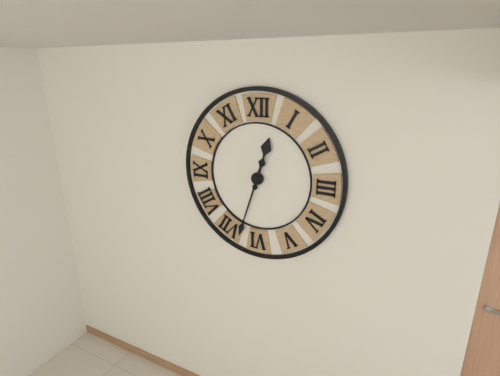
12:33
